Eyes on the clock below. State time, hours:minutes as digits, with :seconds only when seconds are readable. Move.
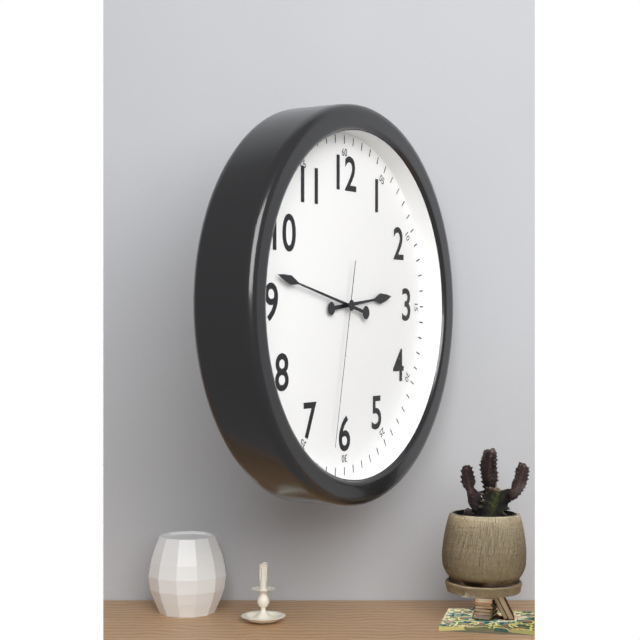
2:47:32
